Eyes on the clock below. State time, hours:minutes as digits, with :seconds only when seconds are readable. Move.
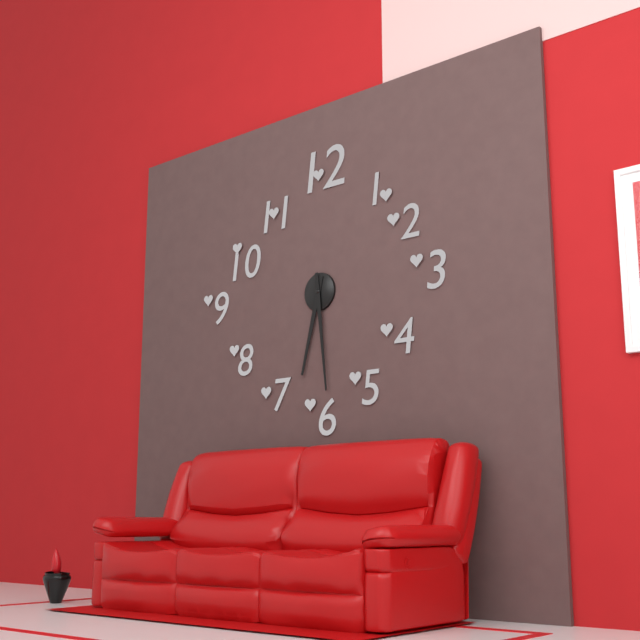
6:29
